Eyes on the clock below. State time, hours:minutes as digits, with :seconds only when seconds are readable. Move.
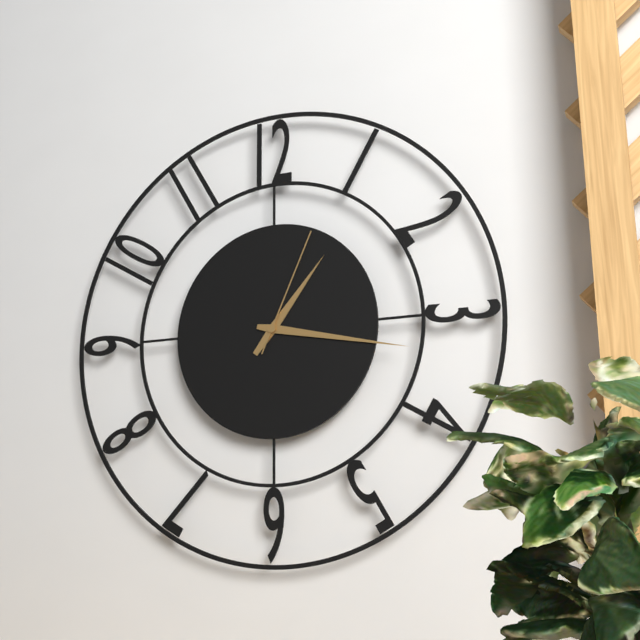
1:17:04
